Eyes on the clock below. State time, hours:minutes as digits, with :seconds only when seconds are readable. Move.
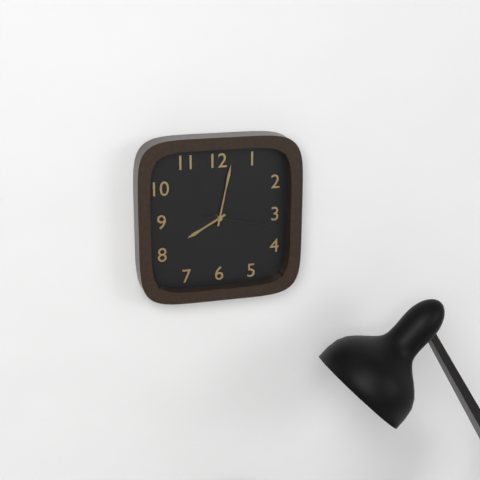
8:02:17
